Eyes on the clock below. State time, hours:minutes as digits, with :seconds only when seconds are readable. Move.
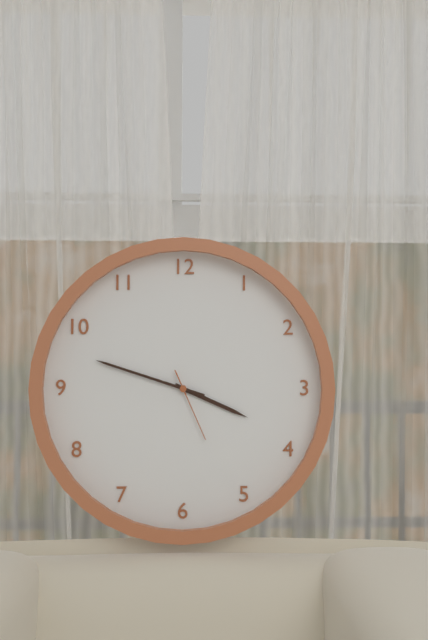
3:48:26
